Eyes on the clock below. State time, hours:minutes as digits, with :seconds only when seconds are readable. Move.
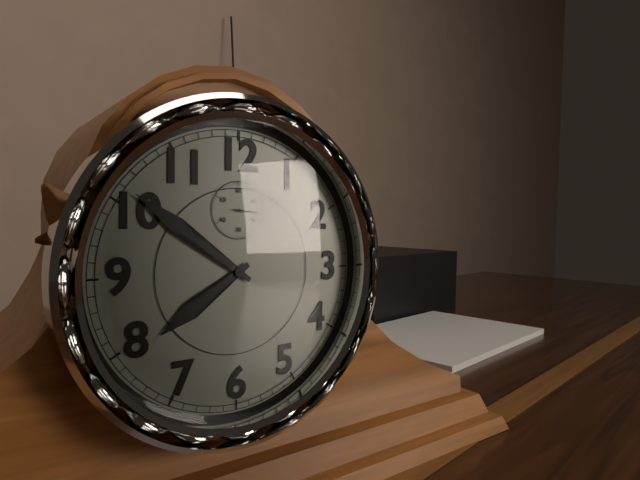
7:51
